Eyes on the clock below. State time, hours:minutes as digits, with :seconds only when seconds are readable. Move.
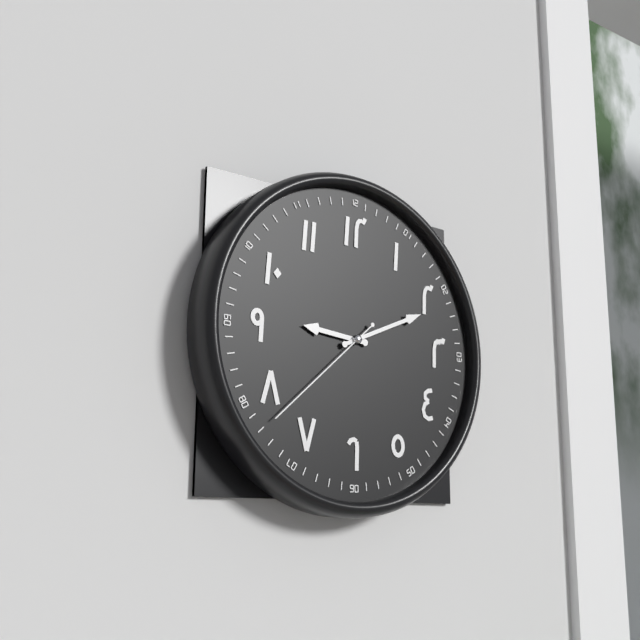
9:11:38
